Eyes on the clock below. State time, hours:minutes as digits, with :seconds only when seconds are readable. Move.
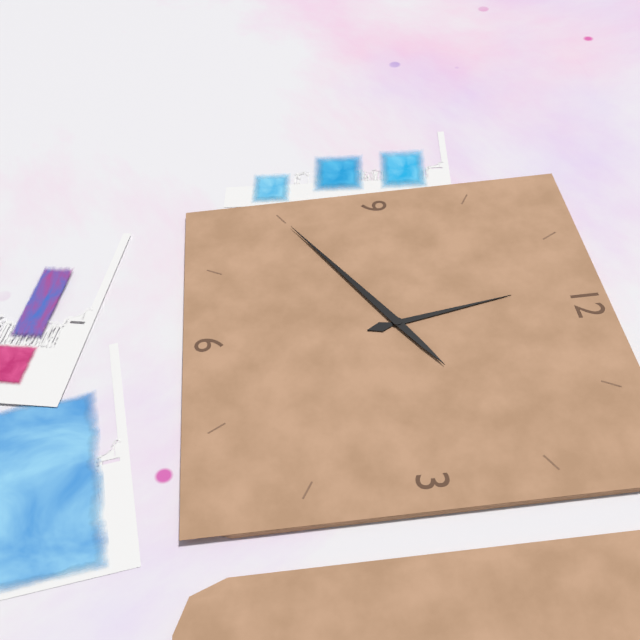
11:40
